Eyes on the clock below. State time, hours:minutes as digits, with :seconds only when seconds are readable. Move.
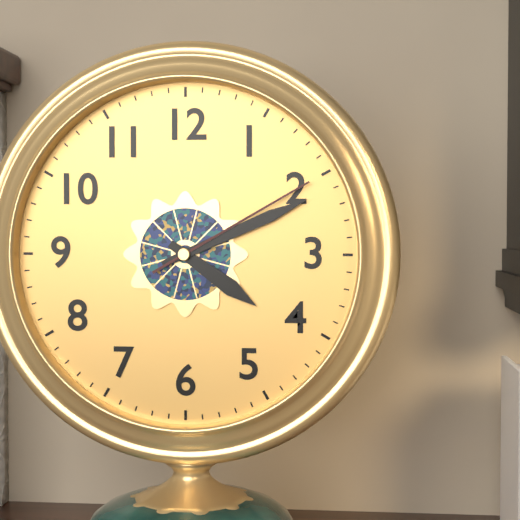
4:11:10
